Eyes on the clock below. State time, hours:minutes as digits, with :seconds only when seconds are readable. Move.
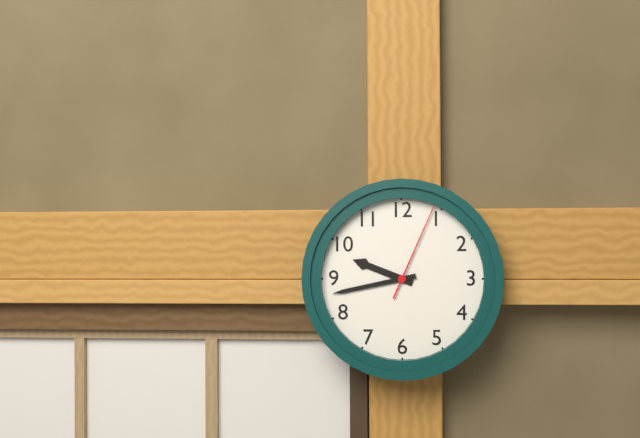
9:43:04
